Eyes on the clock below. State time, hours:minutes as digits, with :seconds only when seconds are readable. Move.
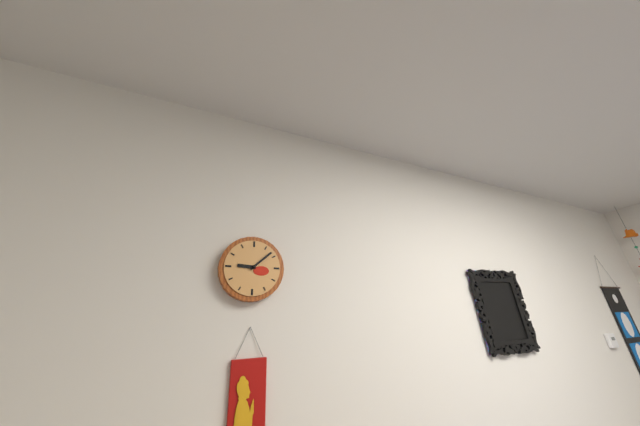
9:08
